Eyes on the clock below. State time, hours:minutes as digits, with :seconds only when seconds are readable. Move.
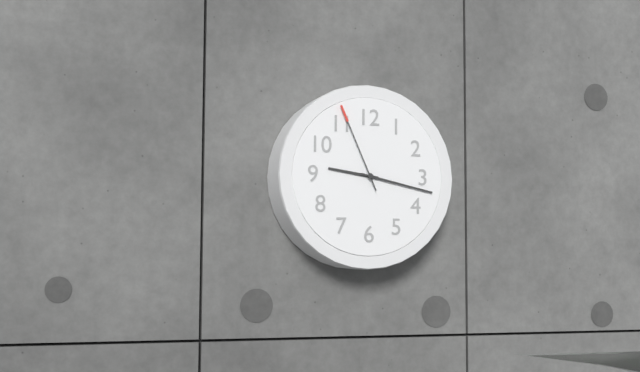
9:17:56
